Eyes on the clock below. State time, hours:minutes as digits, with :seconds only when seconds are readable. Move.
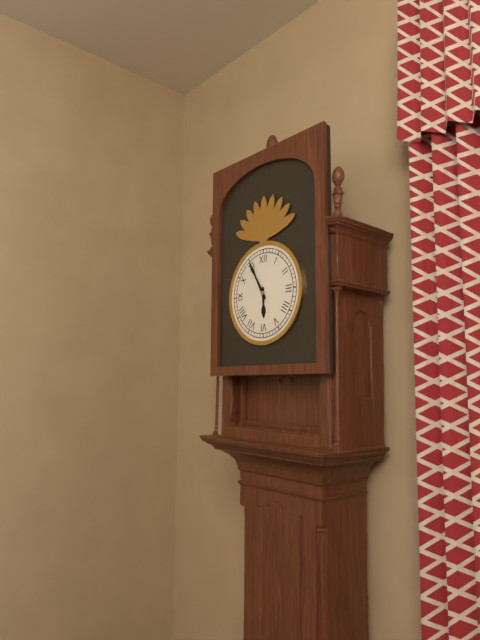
5:55
